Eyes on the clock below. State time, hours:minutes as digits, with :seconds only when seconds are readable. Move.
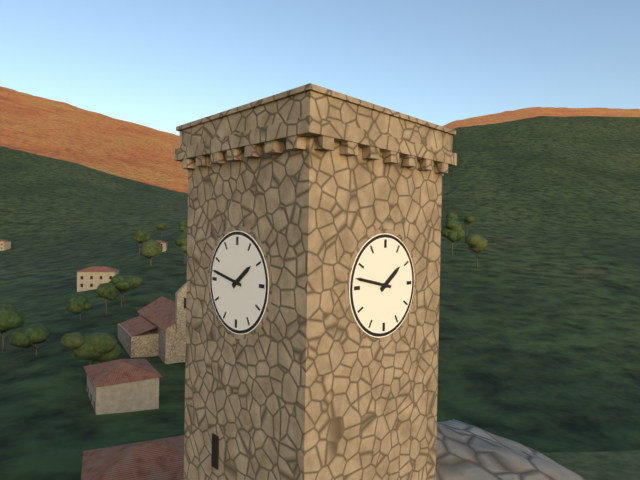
1:47
